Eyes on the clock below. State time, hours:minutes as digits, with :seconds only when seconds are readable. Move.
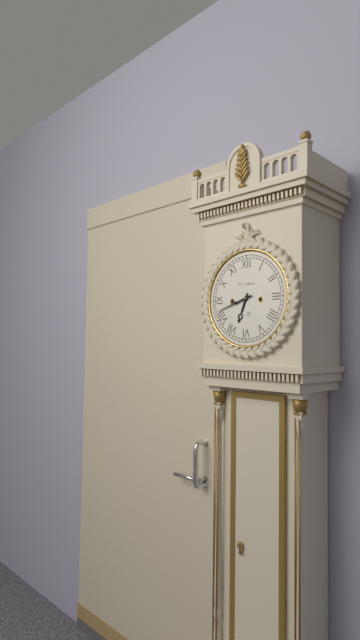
6:42
